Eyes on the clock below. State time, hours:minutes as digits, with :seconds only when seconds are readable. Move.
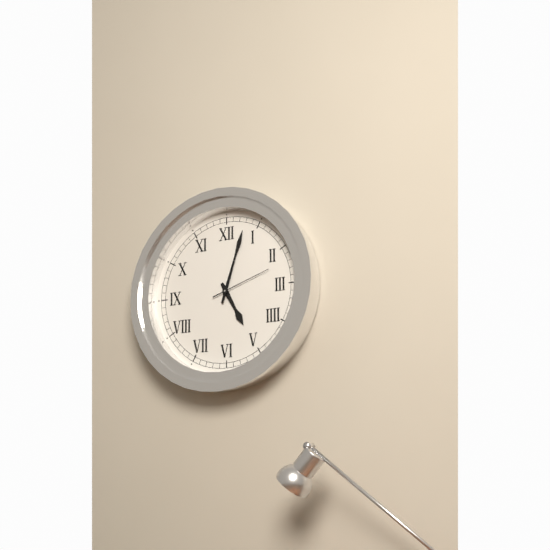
5:03:12
